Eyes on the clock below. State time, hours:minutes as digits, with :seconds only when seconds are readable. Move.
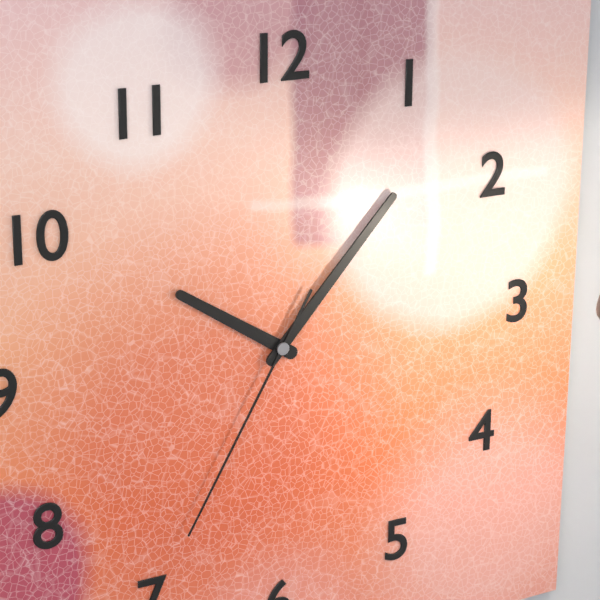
10:07:35
